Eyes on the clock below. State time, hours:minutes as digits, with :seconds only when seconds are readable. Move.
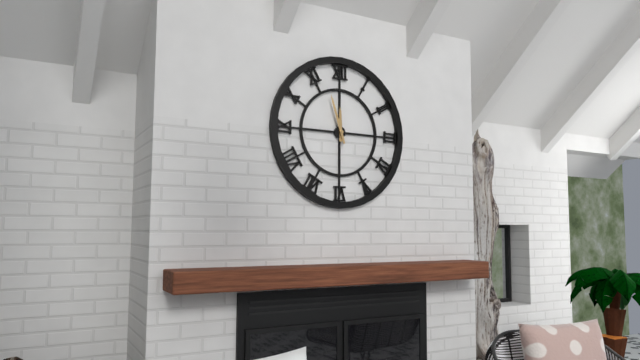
11:57
